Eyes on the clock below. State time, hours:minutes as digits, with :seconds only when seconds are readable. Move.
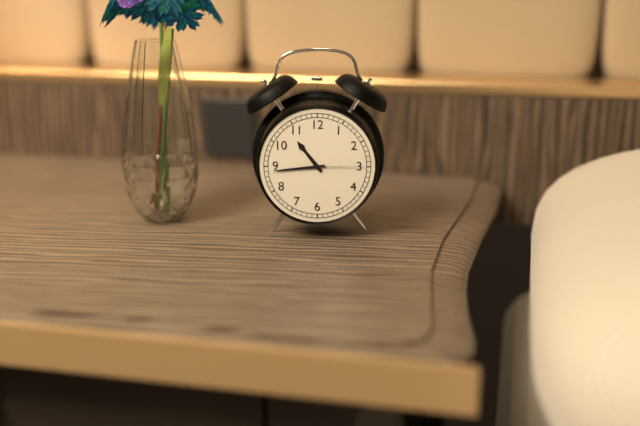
10:44:15
